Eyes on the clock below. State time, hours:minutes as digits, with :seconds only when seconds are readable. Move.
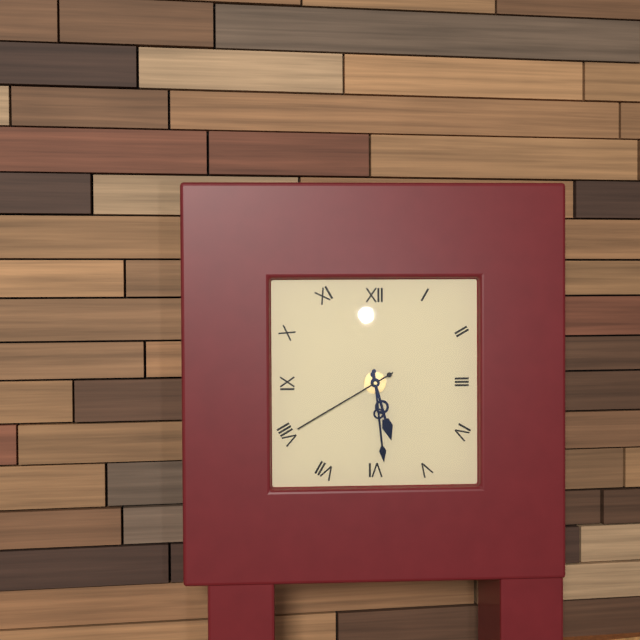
5:29:40
